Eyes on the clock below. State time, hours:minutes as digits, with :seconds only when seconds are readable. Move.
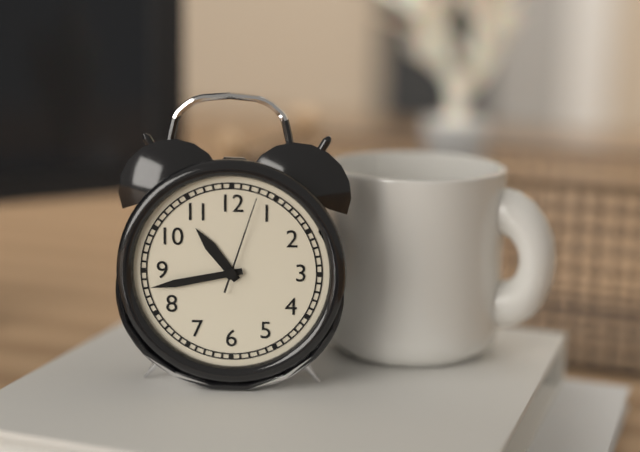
10:43:03
